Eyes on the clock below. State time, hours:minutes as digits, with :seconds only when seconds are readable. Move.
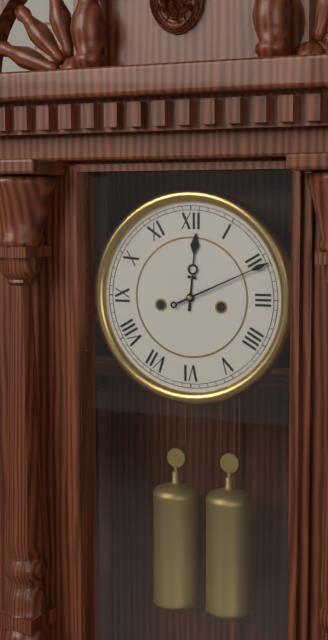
12:11
